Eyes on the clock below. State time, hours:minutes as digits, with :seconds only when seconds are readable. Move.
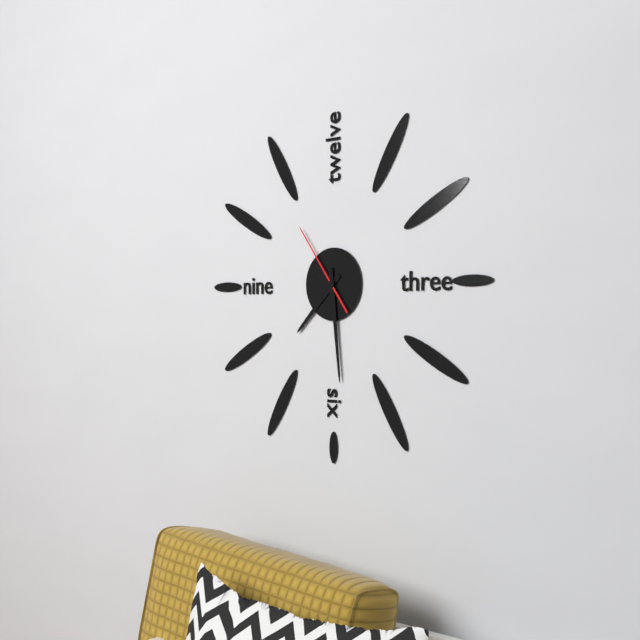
7:29:54
